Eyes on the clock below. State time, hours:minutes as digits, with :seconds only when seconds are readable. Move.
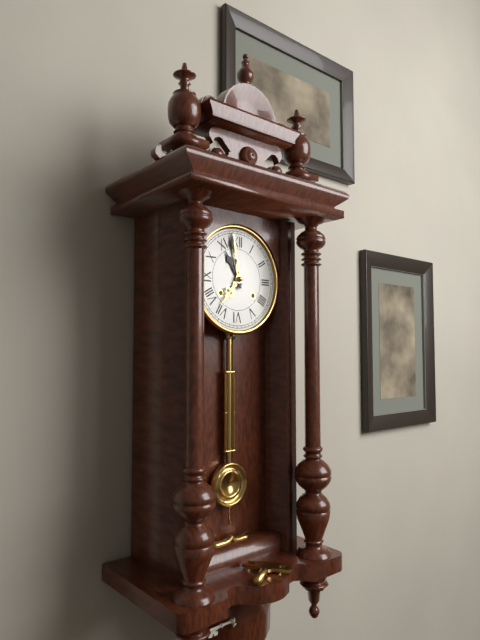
10:58
